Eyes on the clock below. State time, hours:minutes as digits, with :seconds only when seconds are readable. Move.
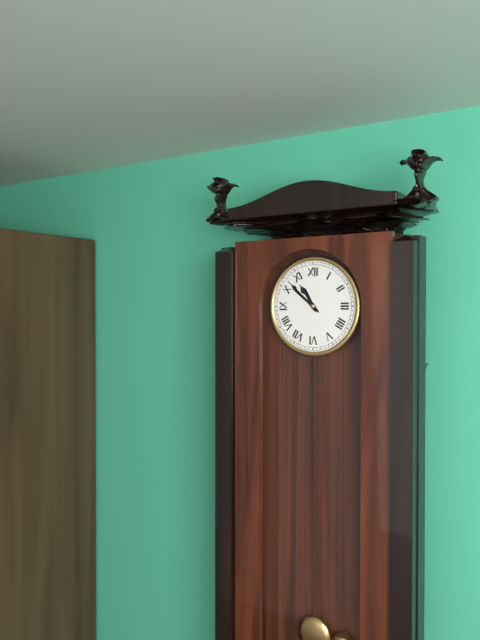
10:52
